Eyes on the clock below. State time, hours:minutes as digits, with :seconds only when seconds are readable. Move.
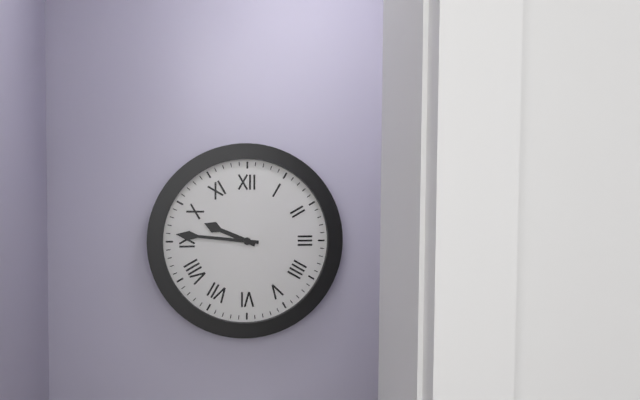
9:46
